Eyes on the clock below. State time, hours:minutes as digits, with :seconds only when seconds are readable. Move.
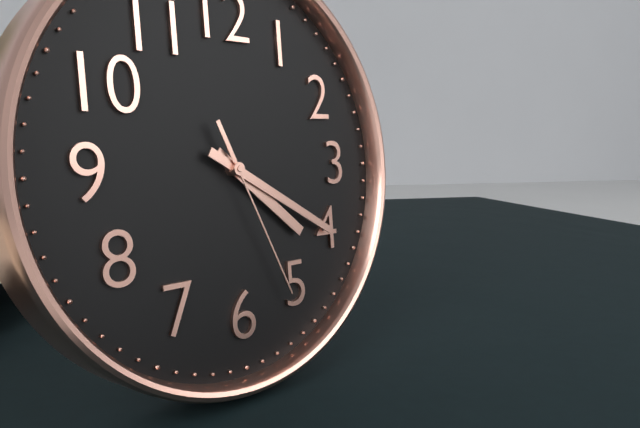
4:20:26
